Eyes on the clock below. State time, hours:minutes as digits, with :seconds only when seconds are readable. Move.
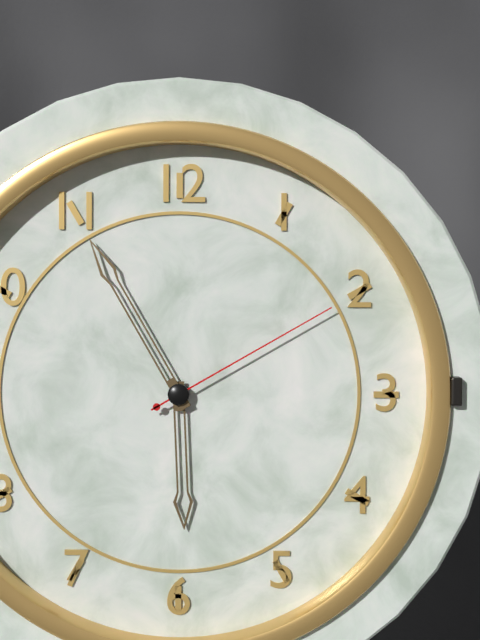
5:55:10
